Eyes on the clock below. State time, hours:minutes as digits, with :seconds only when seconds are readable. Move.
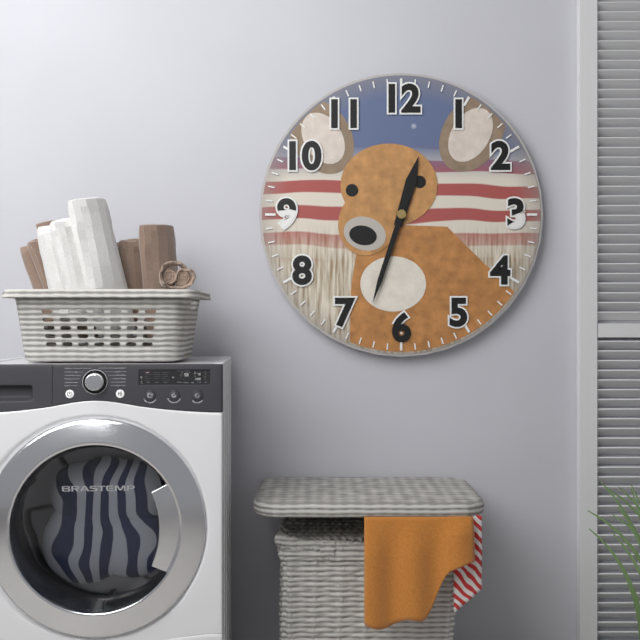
12:33
